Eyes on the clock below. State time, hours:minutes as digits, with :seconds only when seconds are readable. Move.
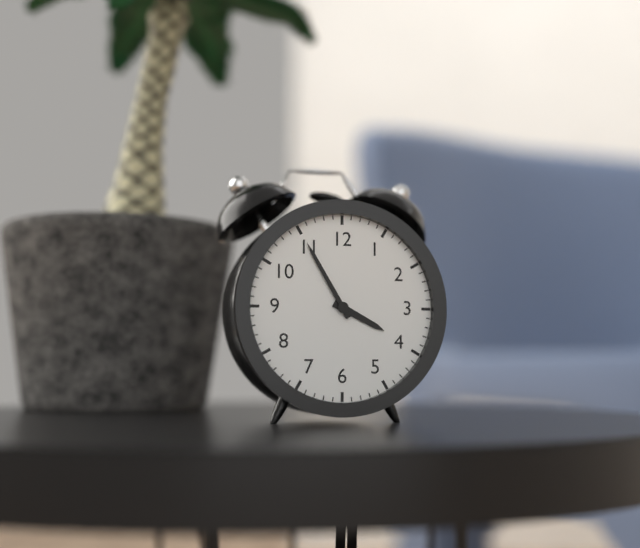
3:55
